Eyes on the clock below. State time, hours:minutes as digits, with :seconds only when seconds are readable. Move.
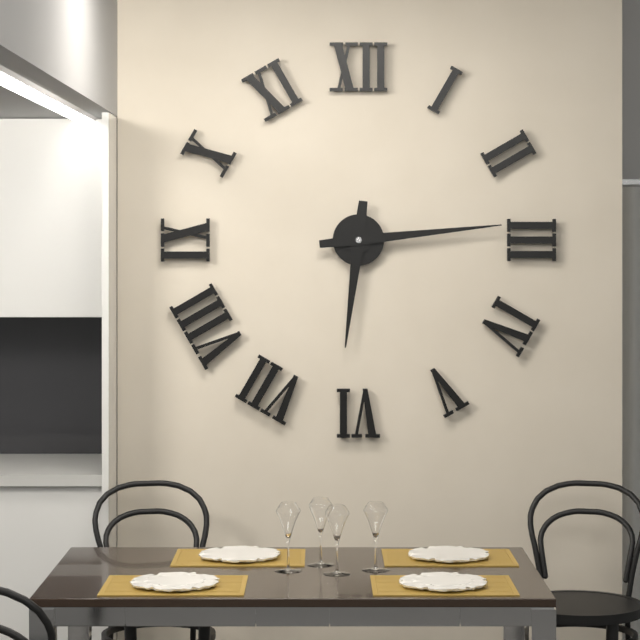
6:14
